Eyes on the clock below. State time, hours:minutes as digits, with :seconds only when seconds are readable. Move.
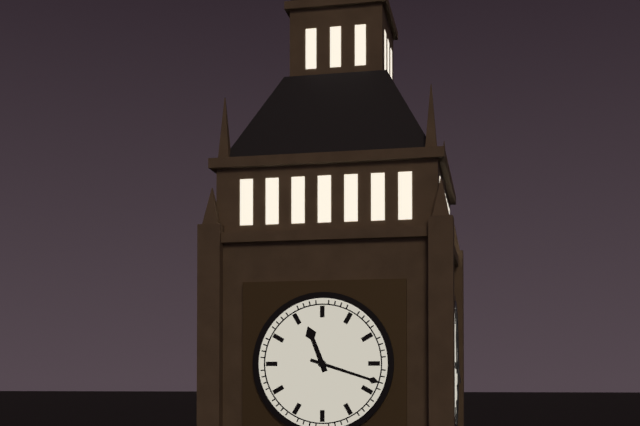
11:18
